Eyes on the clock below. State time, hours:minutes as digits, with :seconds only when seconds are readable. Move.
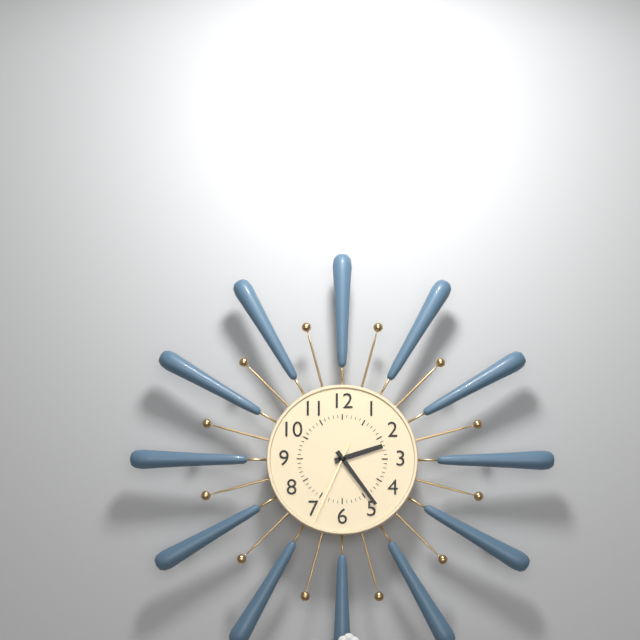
2:24:34
